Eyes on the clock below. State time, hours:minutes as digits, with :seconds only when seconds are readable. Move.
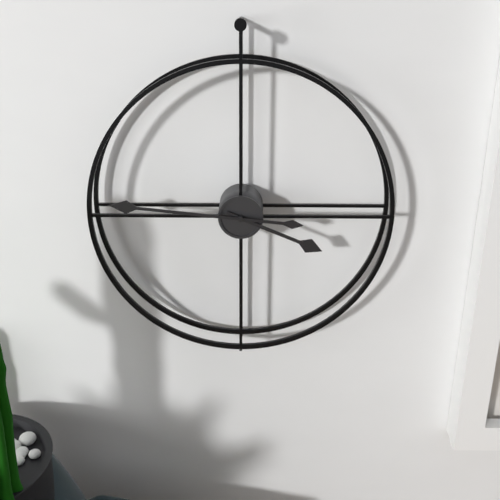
3:46
